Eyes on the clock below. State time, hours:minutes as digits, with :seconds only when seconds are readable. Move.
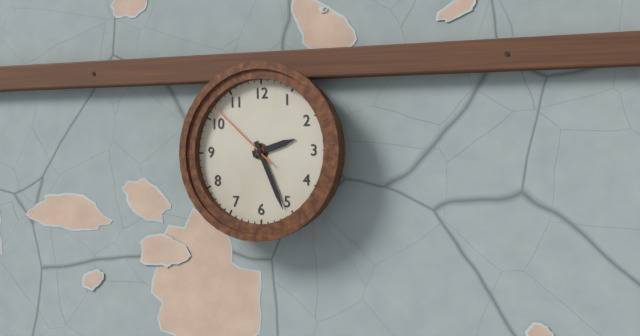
2:26:52
